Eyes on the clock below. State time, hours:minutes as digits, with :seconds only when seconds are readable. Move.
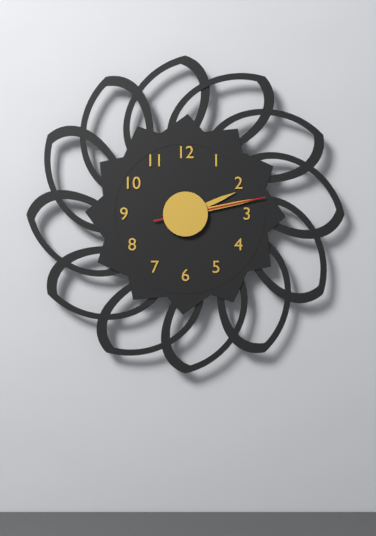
2:13:13
